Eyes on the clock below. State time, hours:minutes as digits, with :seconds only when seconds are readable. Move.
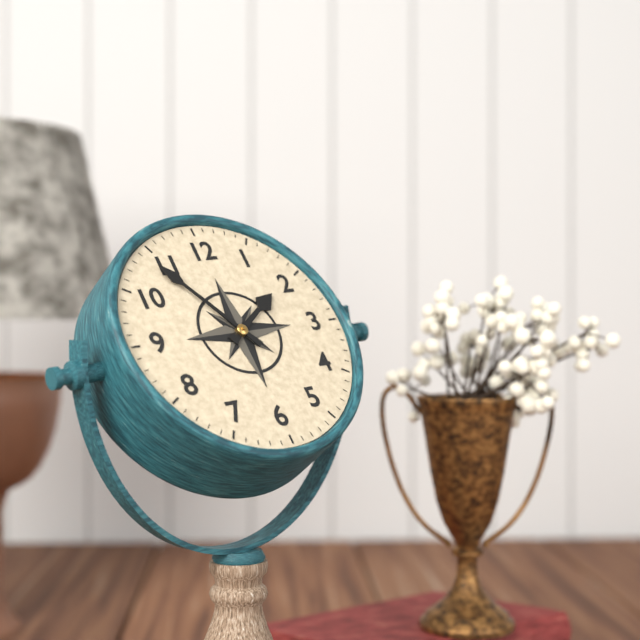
1:54
